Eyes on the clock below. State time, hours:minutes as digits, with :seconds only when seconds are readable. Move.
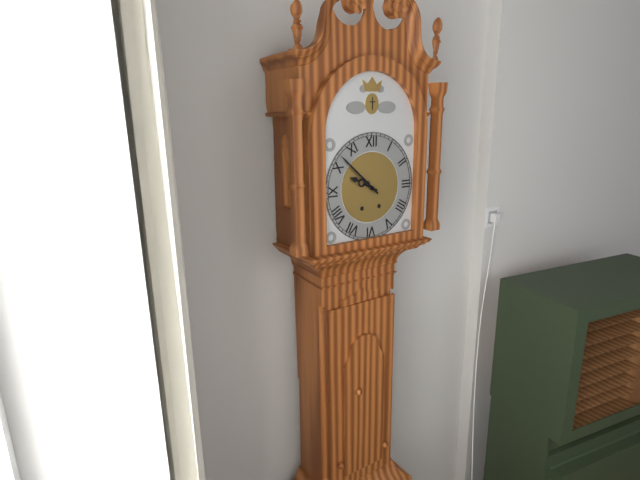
9:52
